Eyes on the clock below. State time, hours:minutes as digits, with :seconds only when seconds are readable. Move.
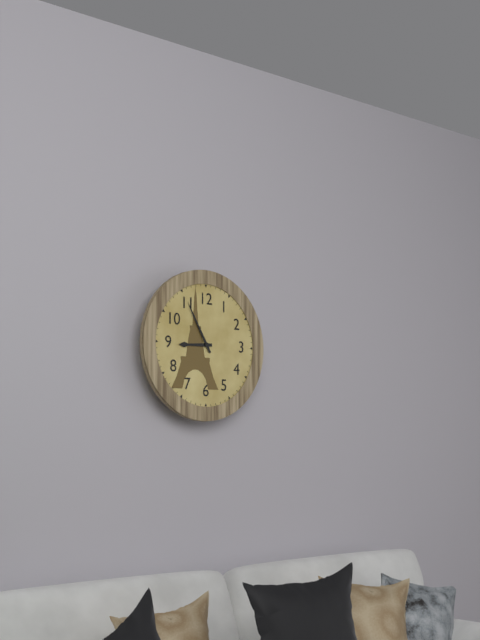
8:55
